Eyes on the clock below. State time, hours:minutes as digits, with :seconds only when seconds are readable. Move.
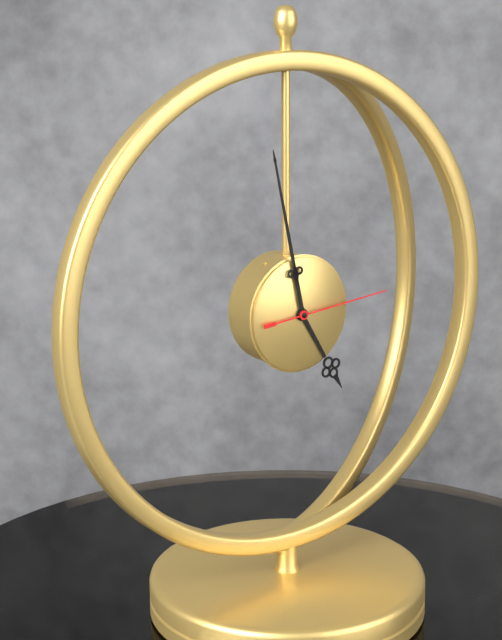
4:58:14
